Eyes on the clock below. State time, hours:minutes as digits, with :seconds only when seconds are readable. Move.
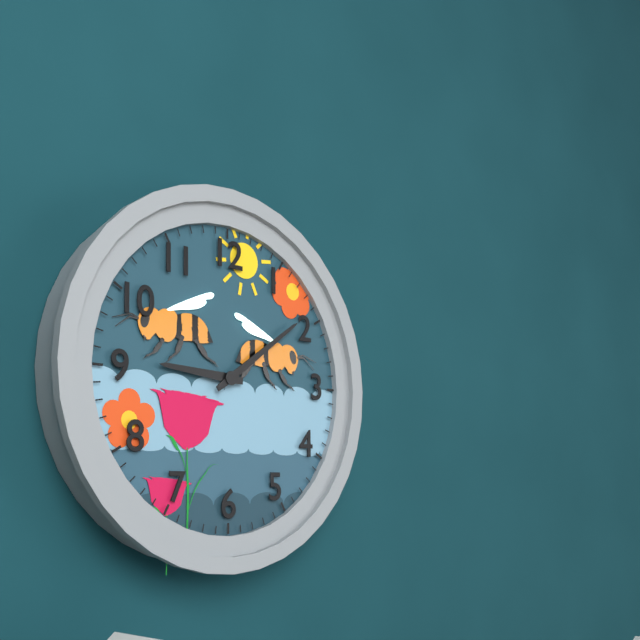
9:09
